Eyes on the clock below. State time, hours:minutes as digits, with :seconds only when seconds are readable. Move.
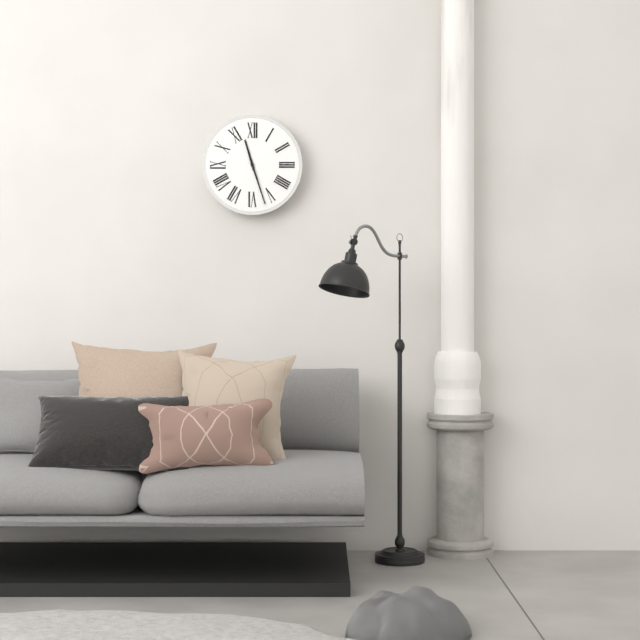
11:27
